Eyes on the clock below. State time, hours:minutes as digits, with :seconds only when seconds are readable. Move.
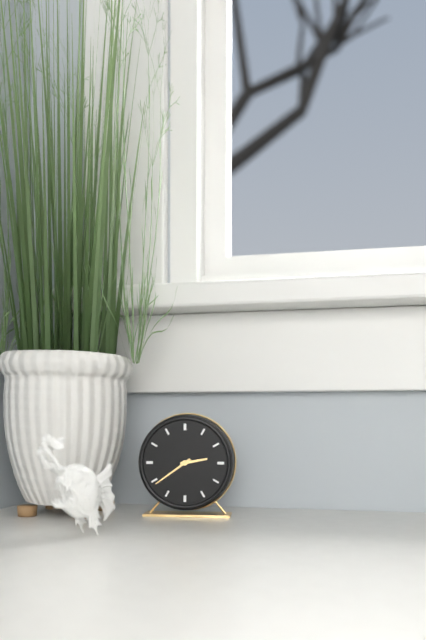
2:39
